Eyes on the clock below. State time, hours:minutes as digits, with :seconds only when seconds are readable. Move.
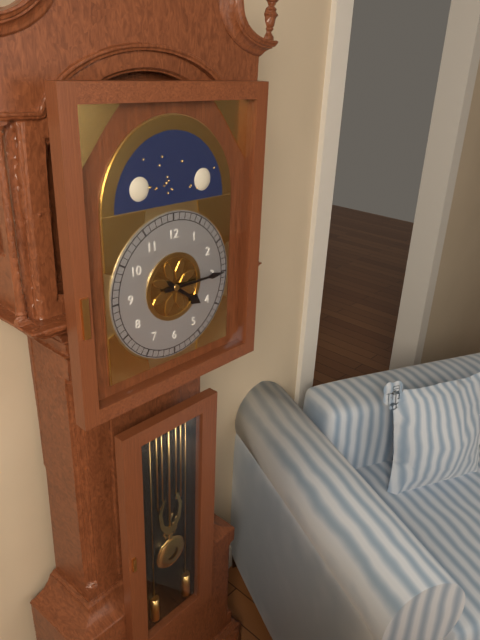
4:15
